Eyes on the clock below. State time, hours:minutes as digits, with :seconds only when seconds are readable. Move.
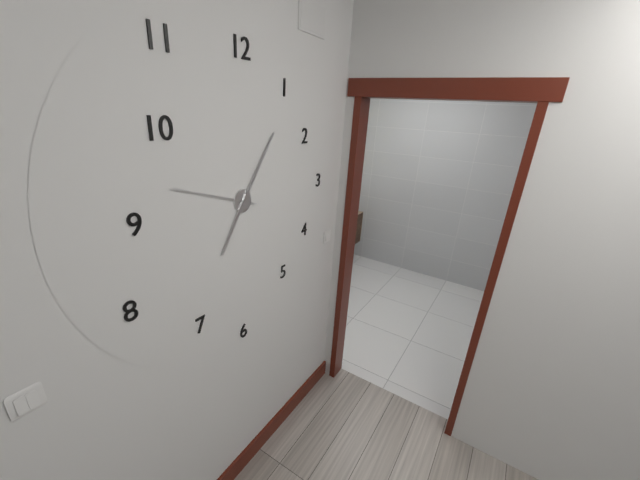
7:06:48
